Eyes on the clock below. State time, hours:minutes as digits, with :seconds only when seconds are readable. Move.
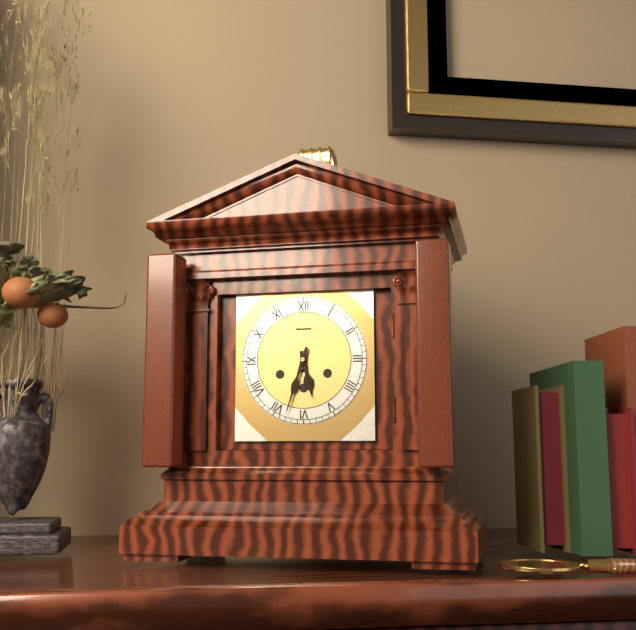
5:33
